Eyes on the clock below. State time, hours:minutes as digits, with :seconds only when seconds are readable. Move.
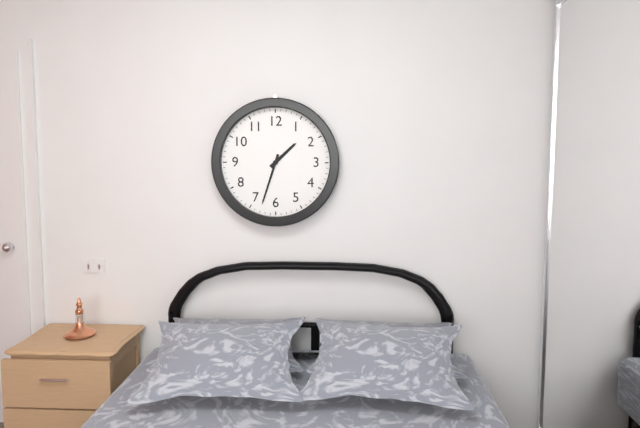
1:33
